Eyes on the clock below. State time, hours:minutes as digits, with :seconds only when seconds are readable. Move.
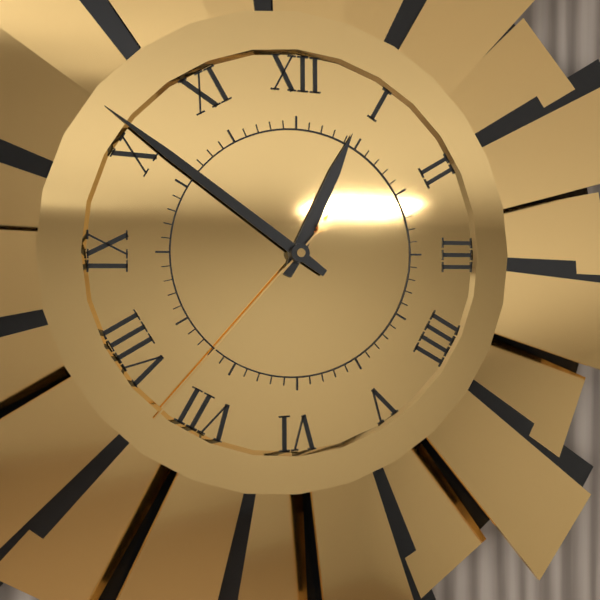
12:51:37
